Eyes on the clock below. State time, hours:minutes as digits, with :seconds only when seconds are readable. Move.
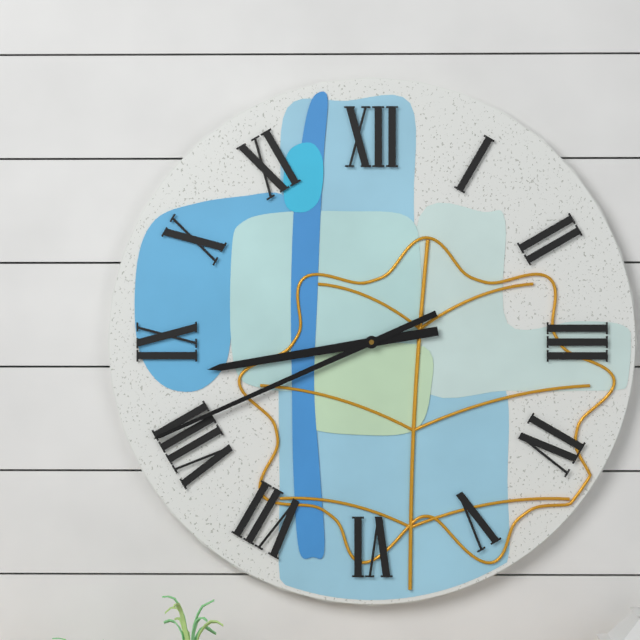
8:41
